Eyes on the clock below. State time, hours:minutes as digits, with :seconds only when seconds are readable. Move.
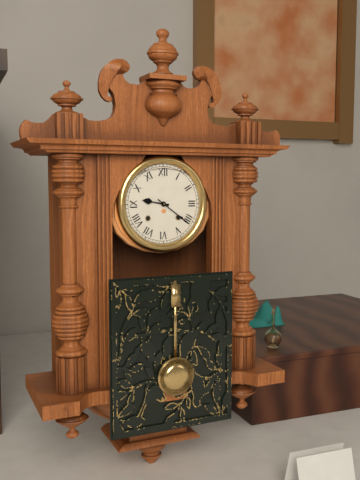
9:21
